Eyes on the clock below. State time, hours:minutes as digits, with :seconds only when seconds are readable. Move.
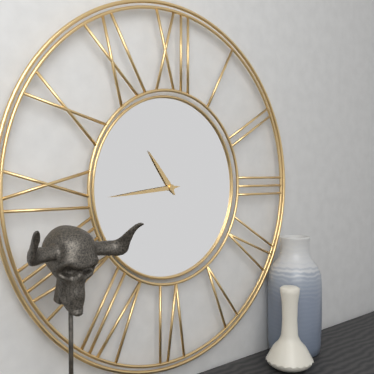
10:44
